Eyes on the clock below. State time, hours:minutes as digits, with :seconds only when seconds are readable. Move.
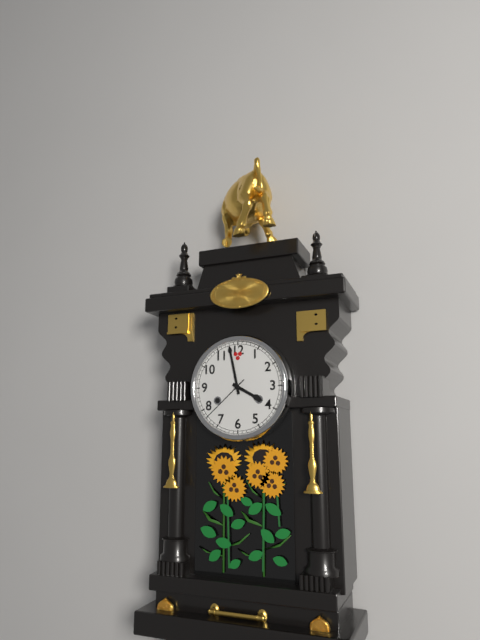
3:58:38
